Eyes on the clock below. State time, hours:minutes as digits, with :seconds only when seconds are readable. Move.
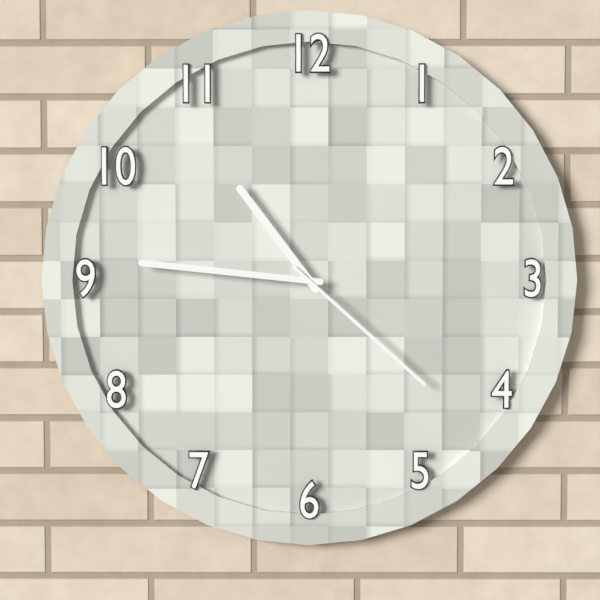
10:46:22
